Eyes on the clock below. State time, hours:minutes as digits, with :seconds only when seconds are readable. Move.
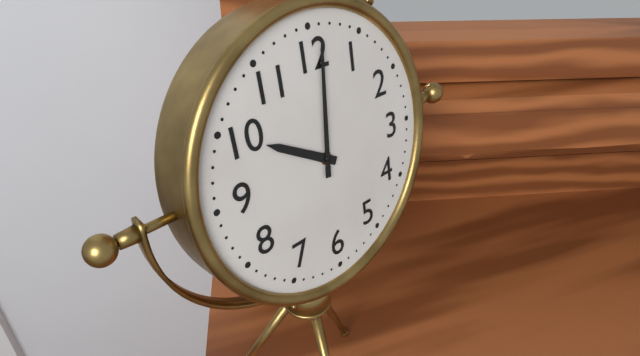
10:01
